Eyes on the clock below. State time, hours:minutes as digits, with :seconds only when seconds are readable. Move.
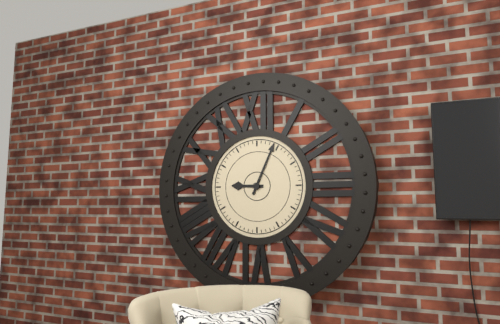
9:04
